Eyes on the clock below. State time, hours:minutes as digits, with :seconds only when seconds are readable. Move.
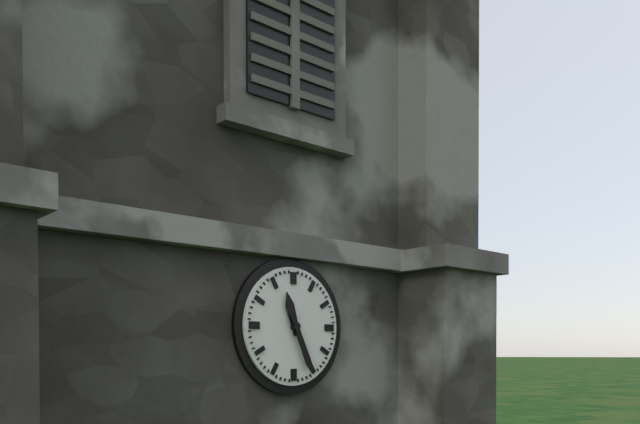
11:26
